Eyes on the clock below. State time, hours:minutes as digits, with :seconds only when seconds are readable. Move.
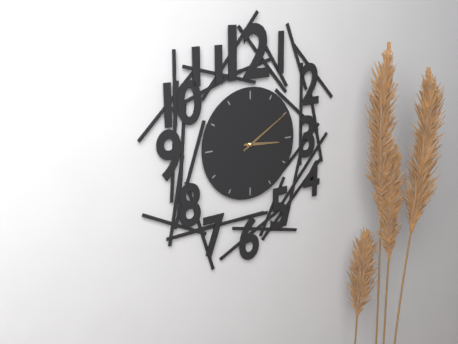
3:10
